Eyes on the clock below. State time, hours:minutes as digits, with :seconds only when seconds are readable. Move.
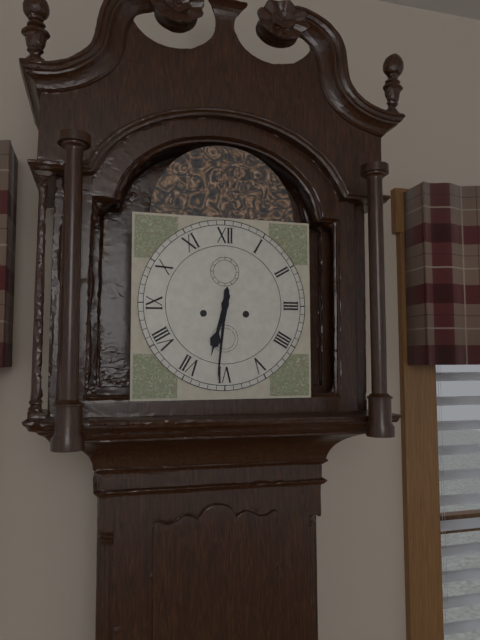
6:31
